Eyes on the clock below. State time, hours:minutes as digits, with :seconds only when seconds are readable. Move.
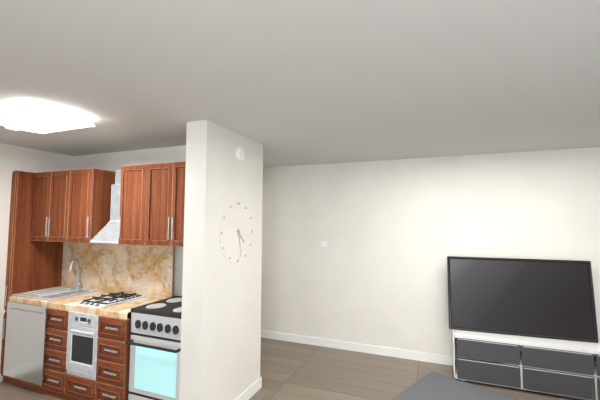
4:28
